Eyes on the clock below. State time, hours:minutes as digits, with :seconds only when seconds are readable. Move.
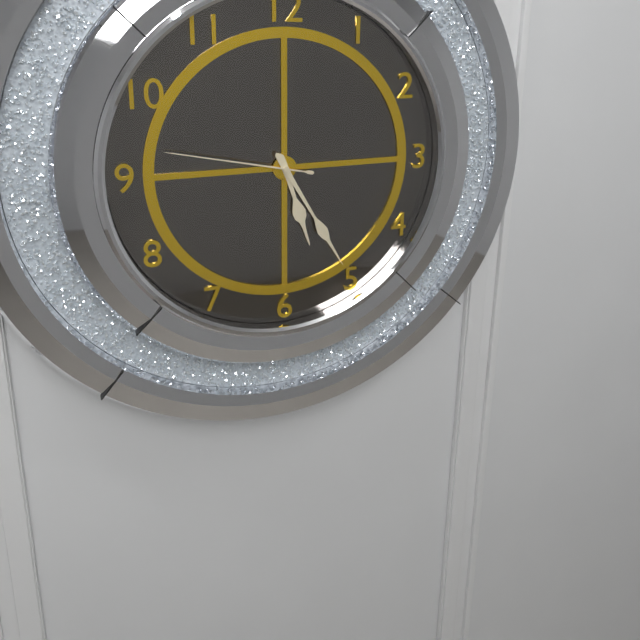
5:25:47
